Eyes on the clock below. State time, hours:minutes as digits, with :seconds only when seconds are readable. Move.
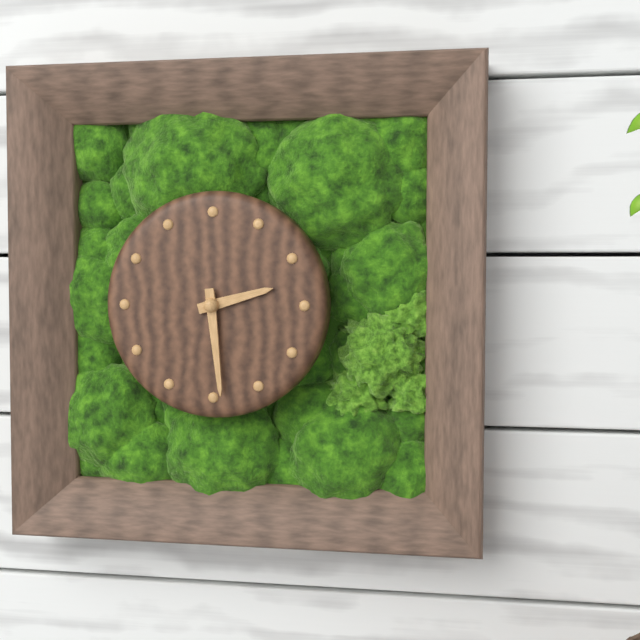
2:29
